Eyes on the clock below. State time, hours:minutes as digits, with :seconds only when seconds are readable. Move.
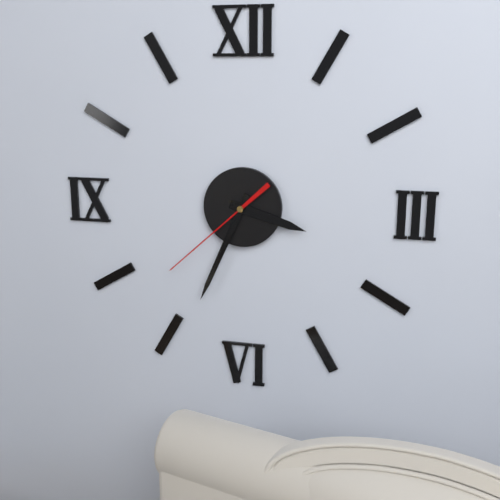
3:34:38
